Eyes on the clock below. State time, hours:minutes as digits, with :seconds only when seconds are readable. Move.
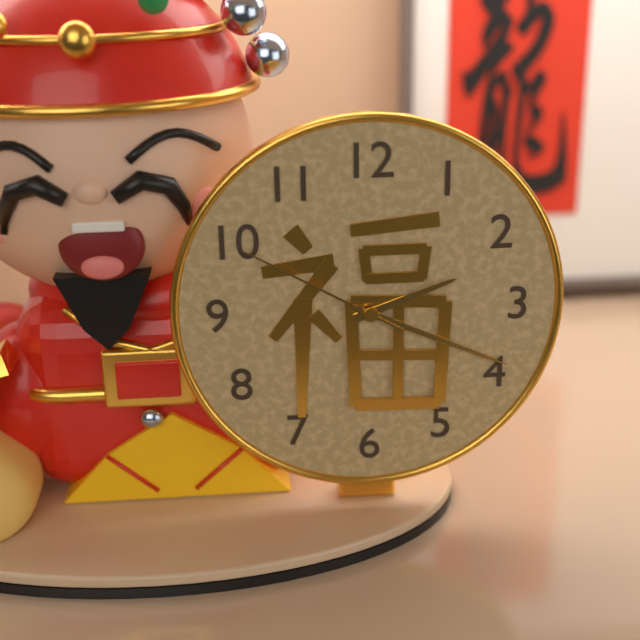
2:19:50
